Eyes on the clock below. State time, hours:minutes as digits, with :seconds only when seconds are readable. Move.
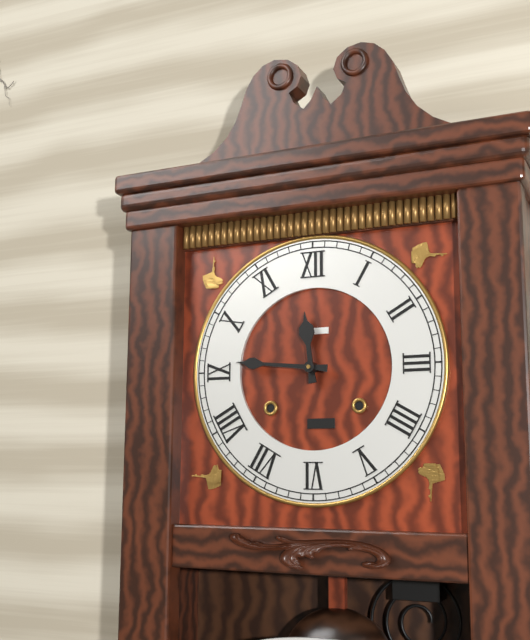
11:46
